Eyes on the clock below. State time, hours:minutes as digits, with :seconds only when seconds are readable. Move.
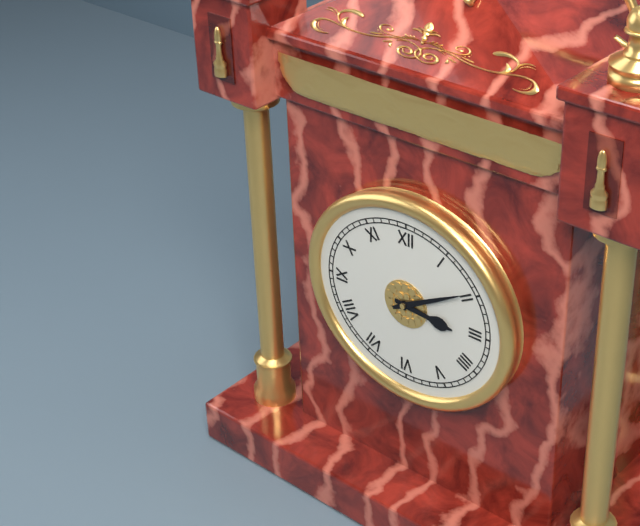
3:10
